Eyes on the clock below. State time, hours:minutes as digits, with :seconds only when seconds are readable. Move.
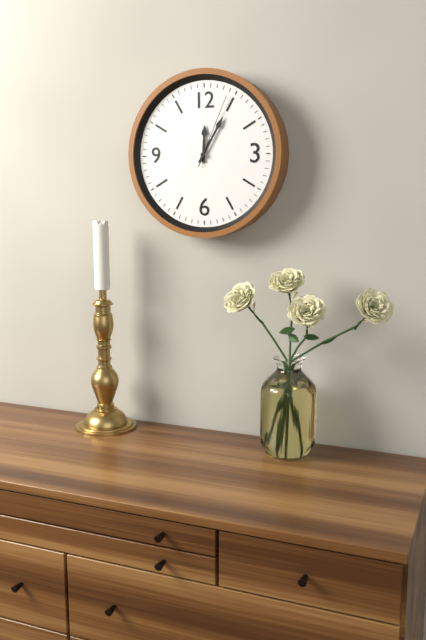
12:05:04
